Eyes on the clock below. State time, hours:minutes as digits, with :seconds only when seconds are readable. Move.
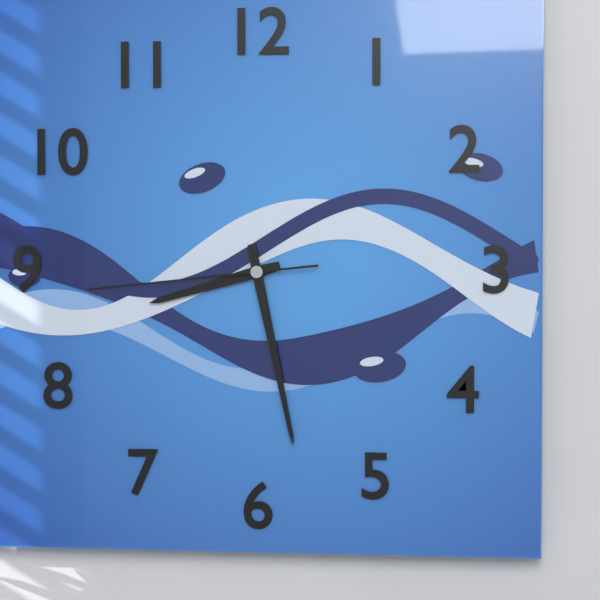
8:28:44
